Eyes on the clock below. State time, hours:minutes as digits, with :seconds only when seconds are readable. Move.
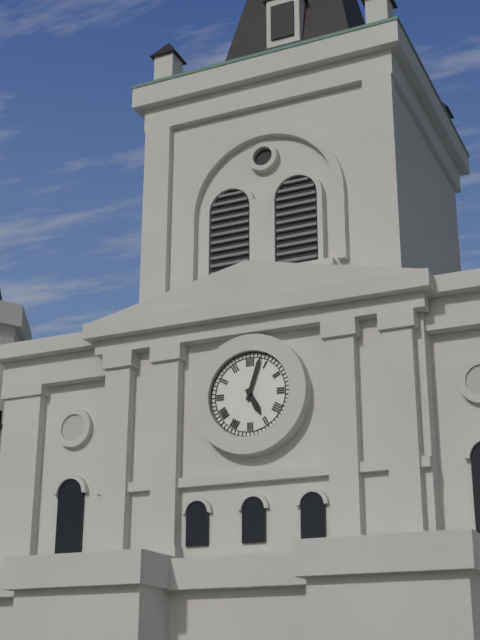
5:03
